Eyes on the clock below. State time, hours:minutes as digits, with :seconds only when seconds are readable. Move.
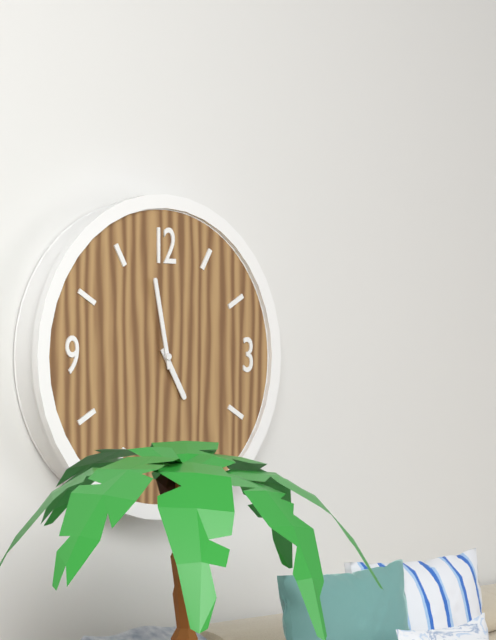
4:58
